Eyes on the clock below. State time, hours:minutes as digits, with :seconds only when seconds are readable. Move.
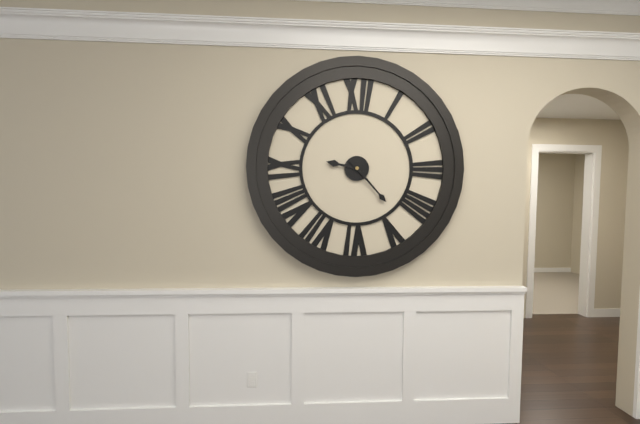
9:23
